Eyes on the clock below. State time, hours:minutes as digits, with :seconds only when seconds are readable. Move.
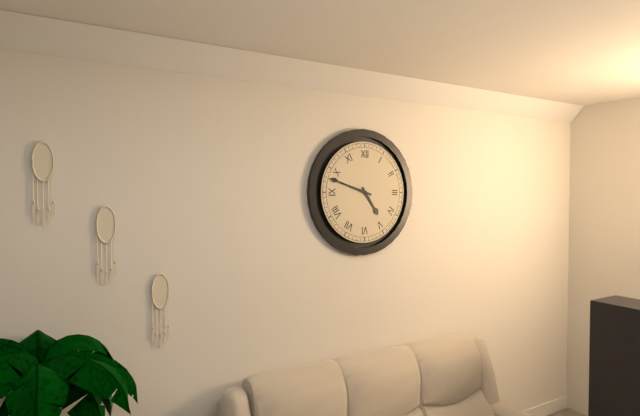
4:48
